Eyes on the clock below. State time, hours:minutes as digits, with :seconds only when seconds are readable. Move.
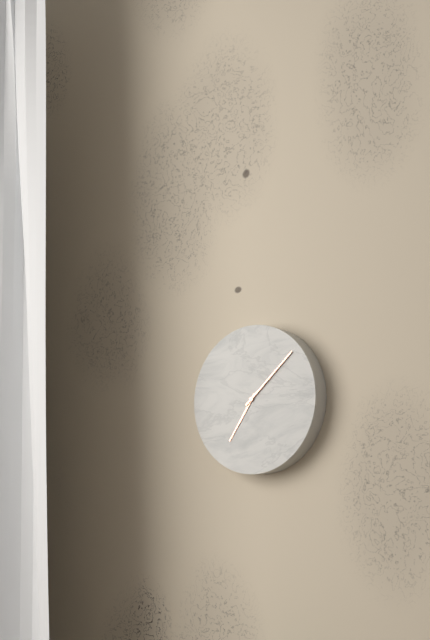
7:08
